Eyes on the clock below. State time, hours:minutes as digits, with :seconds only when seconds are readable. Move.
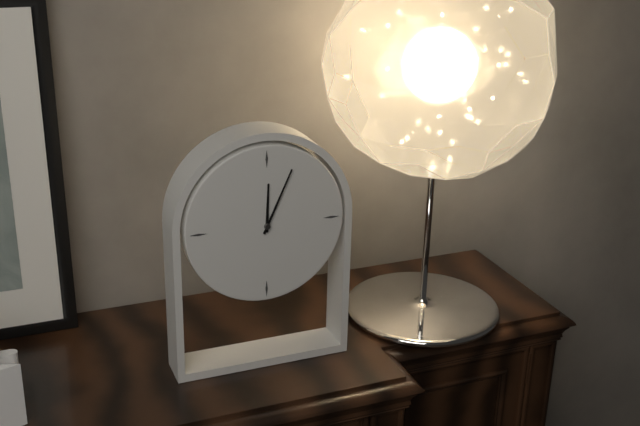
12:04
